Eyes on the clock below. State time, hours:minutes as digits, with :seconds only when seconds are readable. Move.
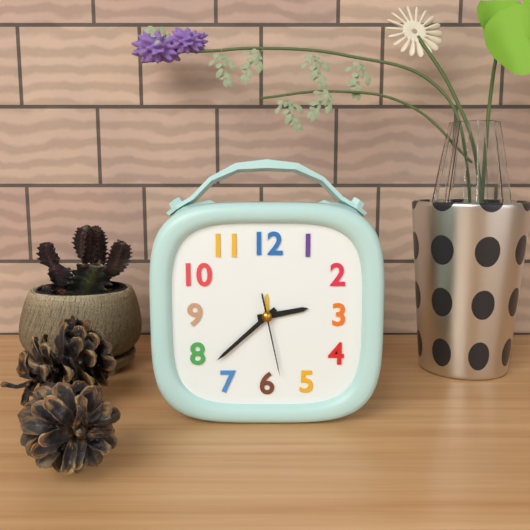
2:38:28
